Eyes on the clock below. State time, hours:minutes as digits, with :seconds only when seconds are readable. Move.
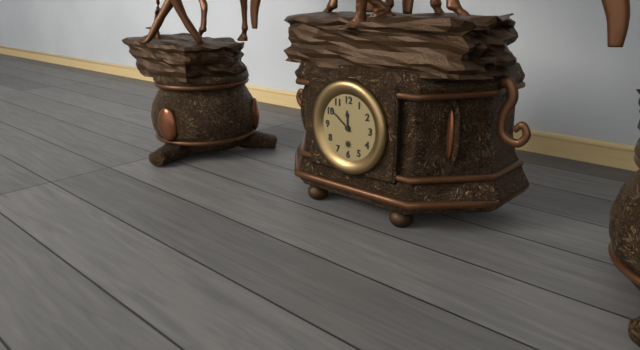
11:51
